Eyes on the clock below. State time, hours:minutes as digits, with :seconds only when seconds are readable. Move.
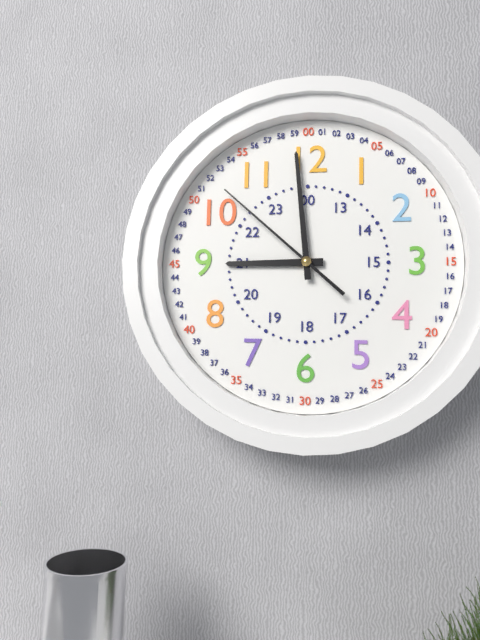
8:59:52
